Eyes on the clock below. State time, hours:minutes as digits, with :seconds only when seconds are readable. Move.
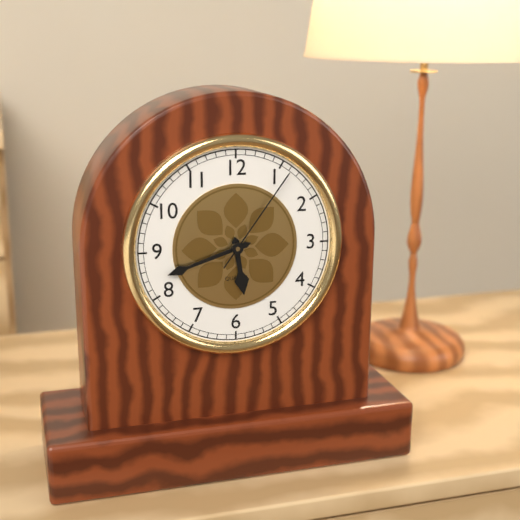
5:42:06
